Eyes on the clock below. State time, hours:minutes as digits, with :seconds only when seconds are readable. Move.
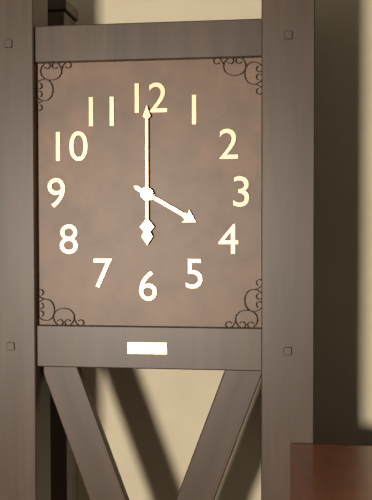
4:00
